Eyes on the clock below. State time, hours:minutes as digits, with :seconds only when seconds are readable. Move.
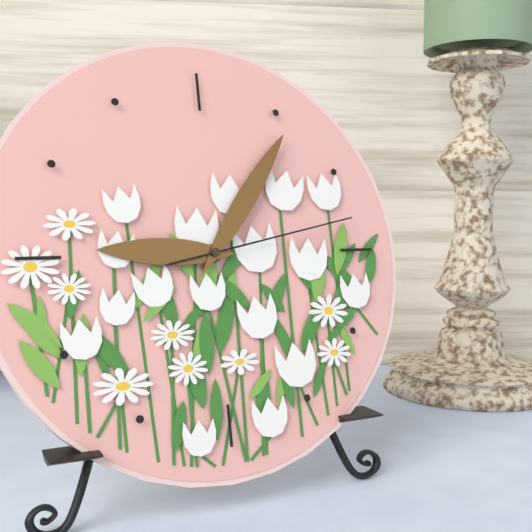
9:06:13
